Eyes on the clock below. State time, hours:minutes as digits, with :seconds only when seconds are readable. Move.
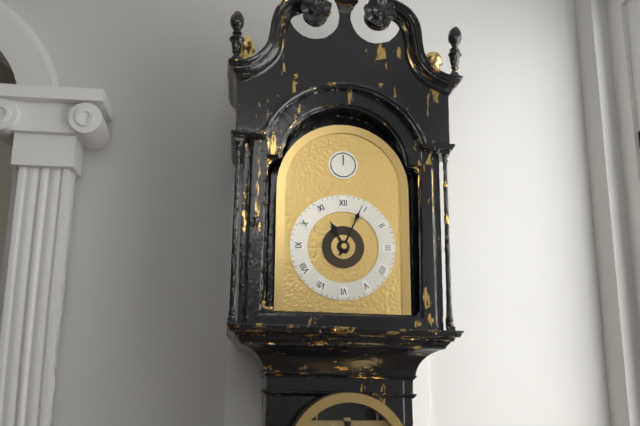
11:04
